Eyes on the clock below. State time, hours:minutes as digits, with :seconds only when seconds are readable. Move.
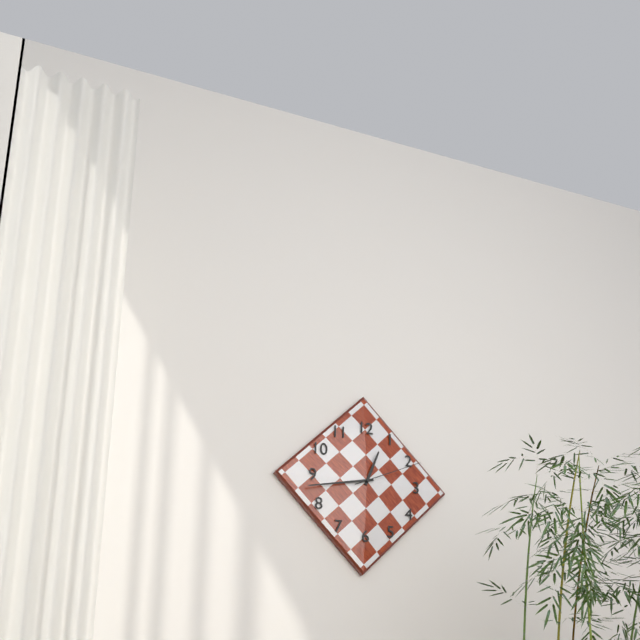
12:43:11
